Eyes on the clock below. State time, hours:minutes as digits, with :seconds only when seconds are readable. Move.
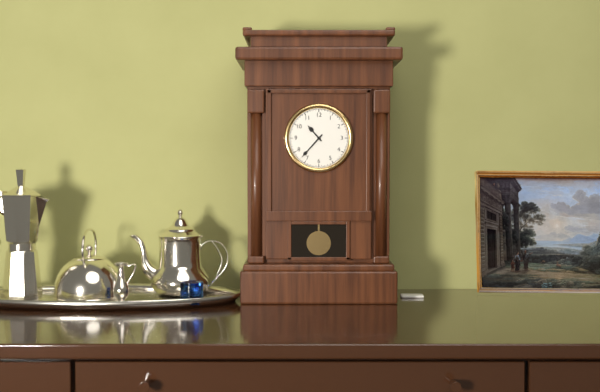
10:37
